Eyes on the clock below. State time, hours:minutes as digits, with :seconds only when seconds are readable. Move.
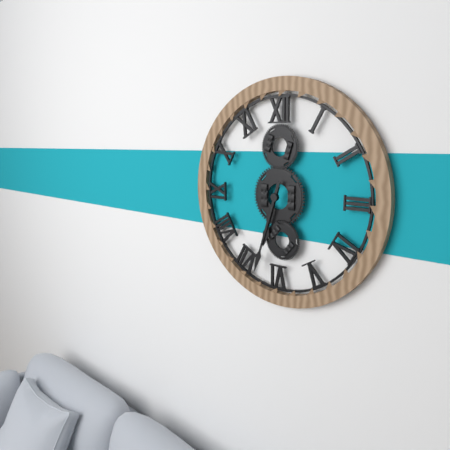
6:33
